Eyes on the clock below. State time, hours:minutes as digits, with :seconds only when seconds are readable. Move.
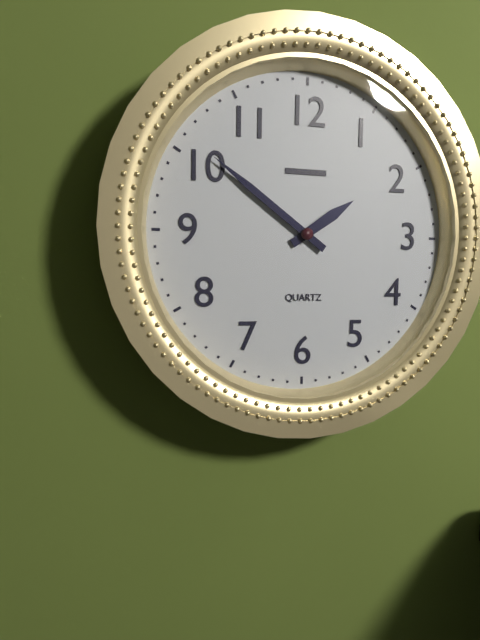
1:51
